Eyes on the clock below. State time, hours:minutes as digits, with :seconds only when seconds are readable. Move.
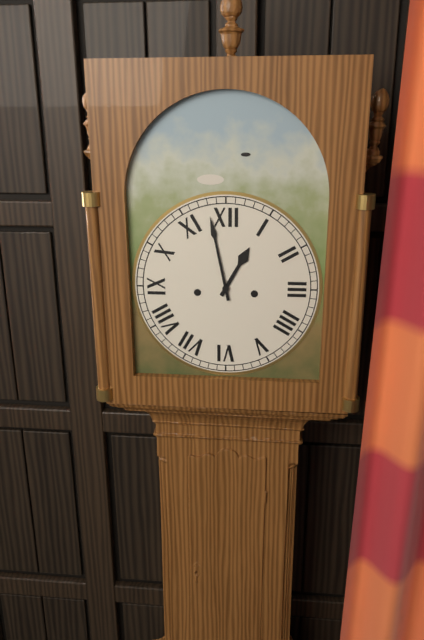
12:58
